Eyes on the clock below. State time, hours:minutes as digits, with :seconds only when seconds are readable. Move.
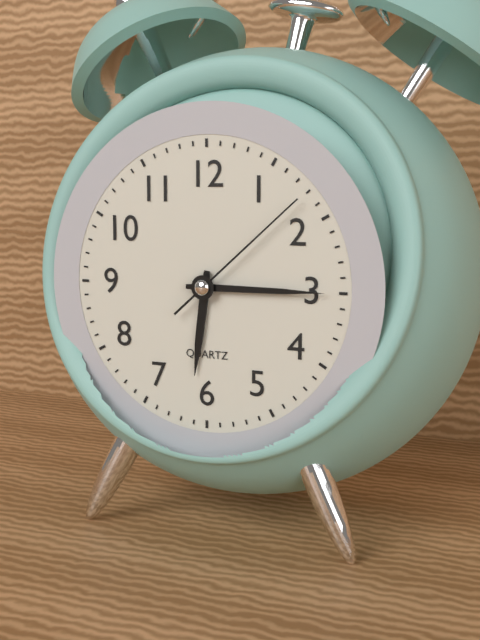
6:15:08
